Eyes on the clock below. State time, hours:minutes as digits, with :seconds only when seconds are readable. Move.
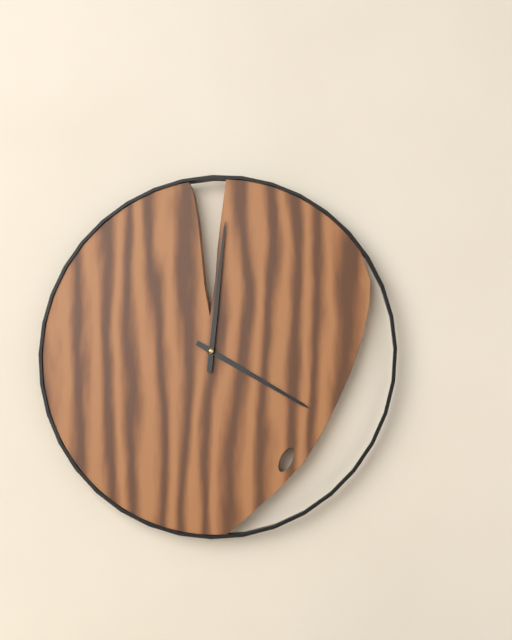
4:01
